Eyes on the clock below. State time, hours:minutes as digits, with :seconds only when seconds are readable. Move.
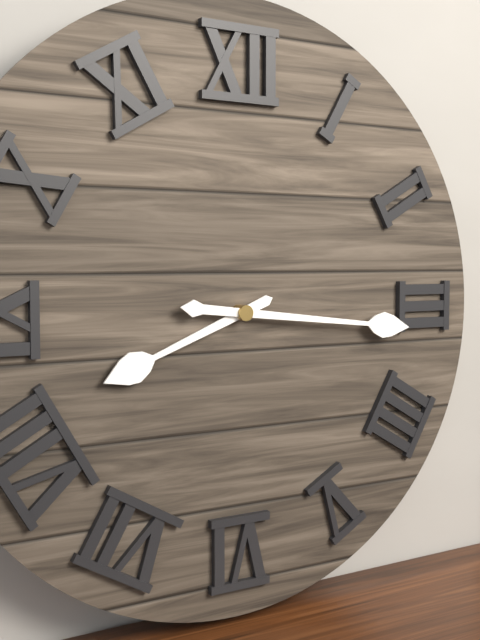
8:16
